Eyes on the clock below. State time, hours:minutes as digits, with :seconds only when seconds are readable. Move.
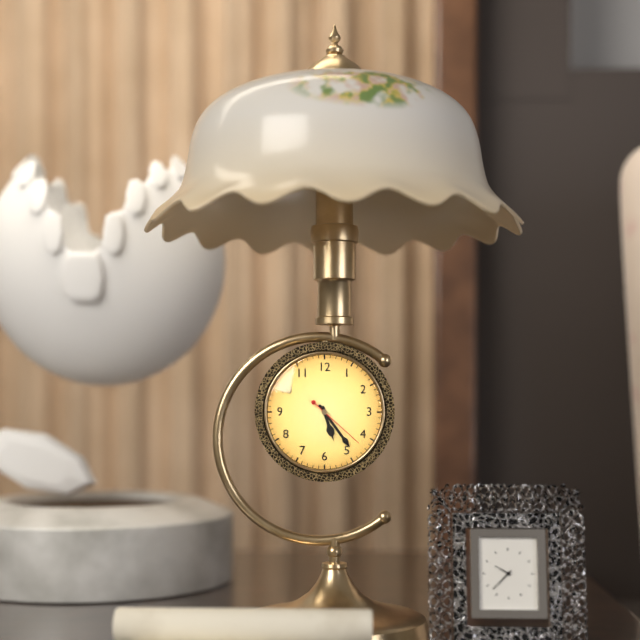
5:24:22
